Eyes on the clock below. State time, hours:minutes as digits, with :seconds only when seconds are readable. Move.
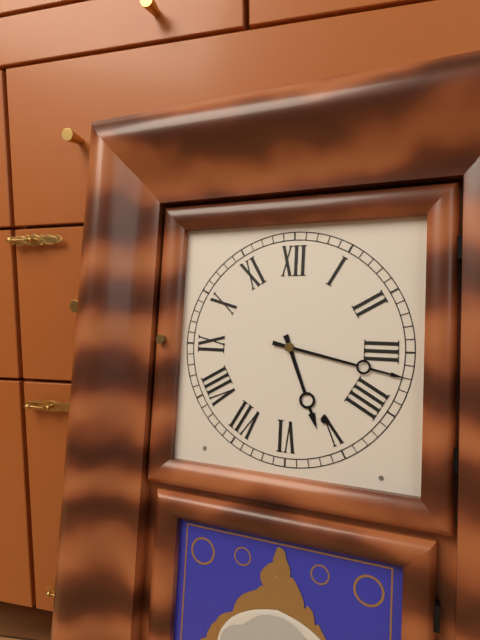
5:17
